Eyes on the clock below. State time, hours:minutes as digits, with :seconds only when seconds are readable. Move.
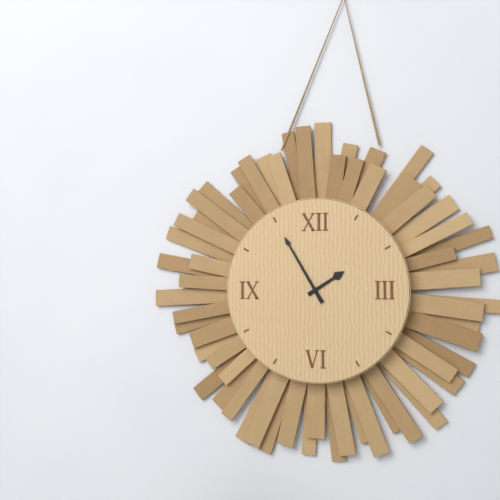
1:55
